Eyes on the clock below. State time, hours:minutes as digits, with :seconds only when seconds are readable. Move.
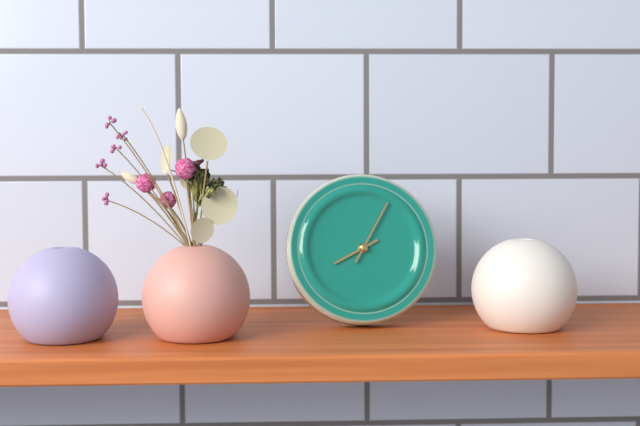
8:05
